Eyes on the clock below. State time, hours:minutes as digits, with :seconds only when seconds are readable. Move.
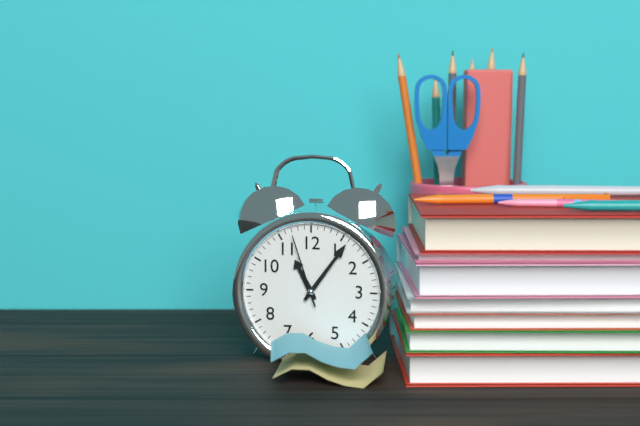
11:06:57
